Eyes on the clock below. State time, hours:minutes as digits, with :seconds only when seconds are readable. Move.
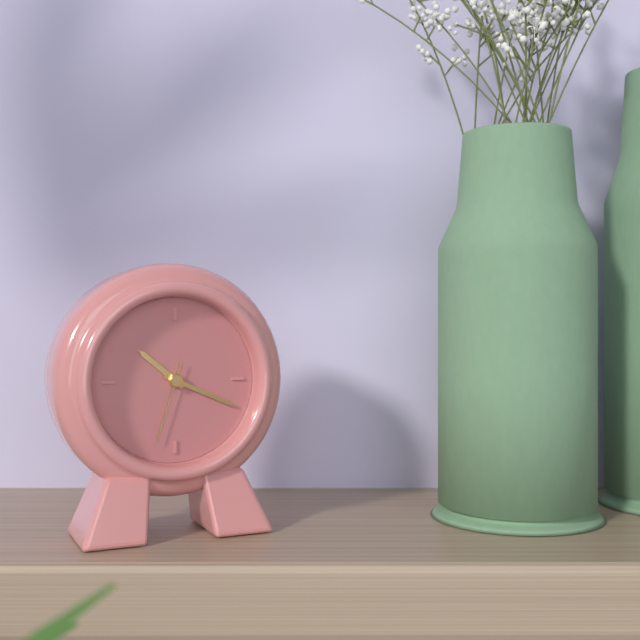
10:19:33
